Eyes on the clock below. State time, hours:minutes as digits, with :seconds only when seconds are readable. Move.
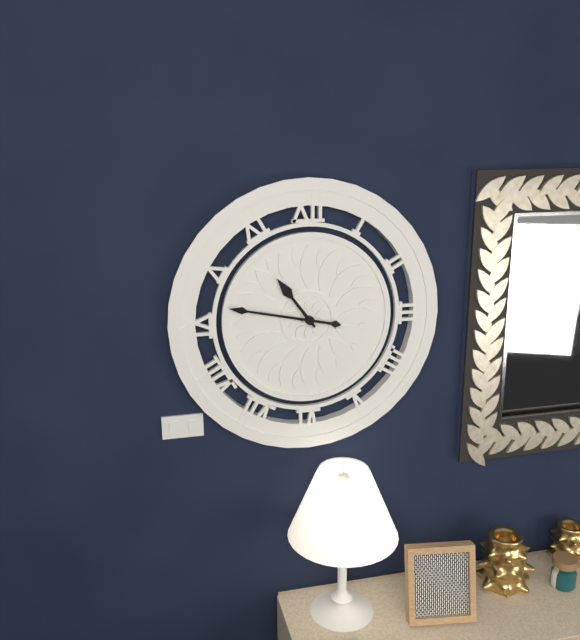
10:47
